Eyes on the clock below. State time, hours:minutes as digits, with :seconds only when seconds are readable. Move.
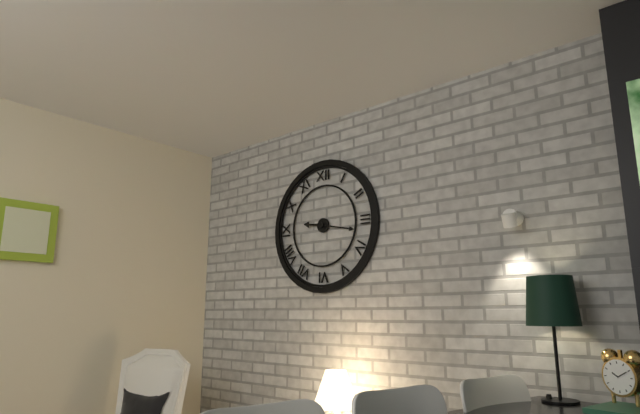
9:17
